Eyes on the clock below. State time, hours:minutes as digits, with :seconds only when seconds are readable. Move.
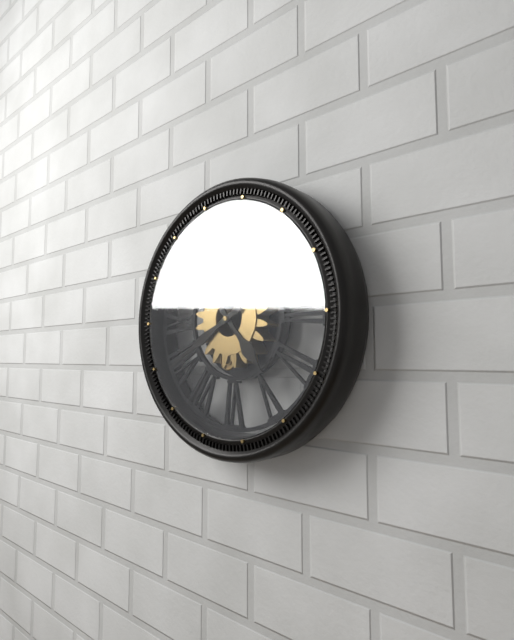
4:40
